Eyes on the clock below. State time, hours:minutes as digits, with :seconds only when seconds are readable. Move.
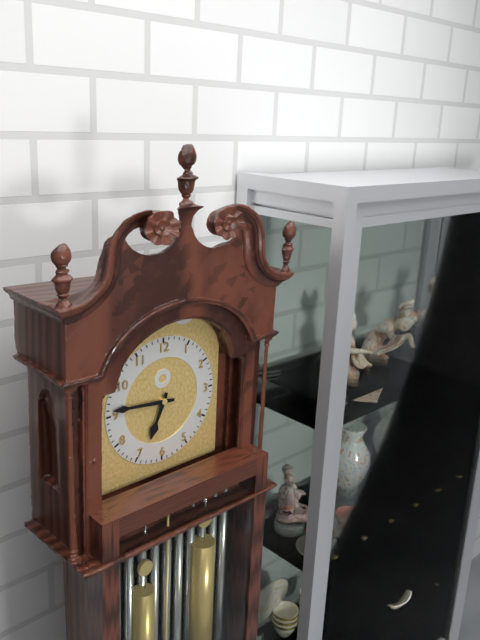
6:46
